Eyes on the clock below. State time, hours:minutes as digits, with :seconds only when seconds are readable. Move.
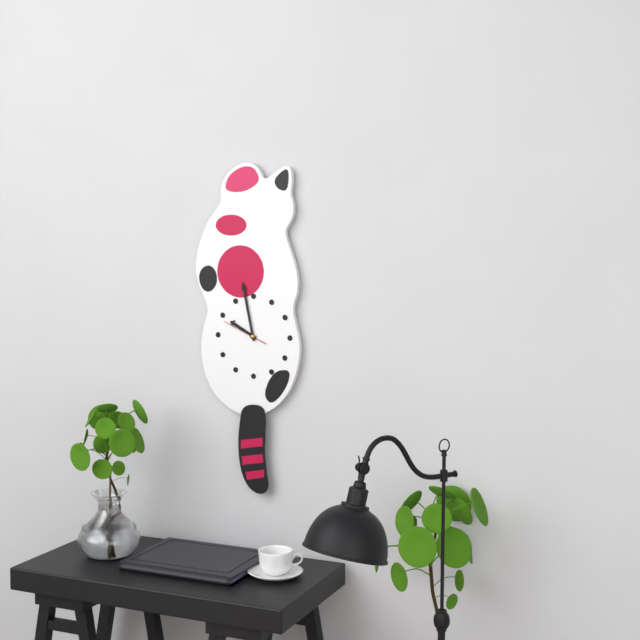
9:58
